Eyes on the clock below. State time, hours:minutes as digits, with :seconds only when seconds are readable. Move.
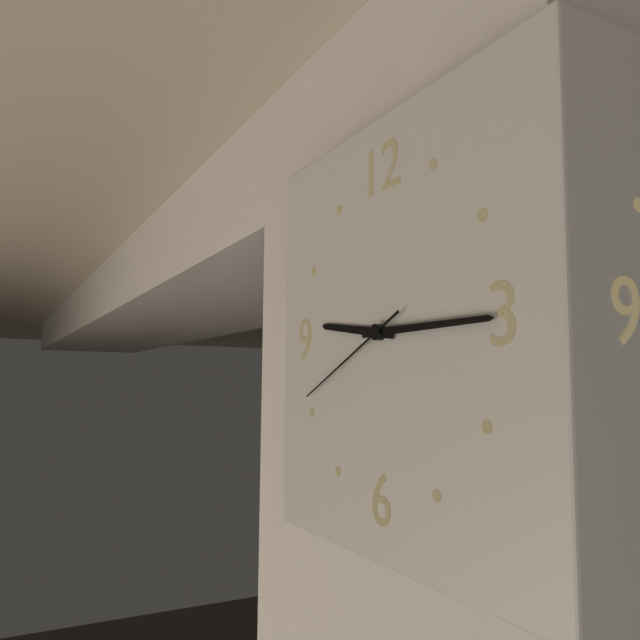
9:15:41
